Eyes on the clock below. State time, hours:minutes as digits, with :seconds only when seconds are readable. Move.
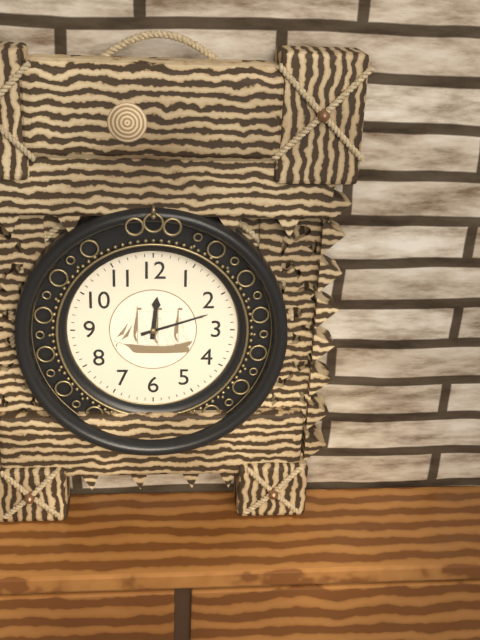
12:12
